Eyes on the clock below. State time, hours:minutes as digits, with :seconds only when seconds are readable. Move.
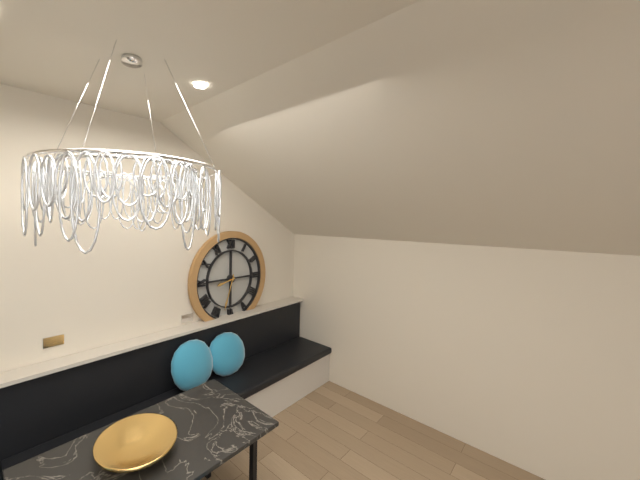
8:33
